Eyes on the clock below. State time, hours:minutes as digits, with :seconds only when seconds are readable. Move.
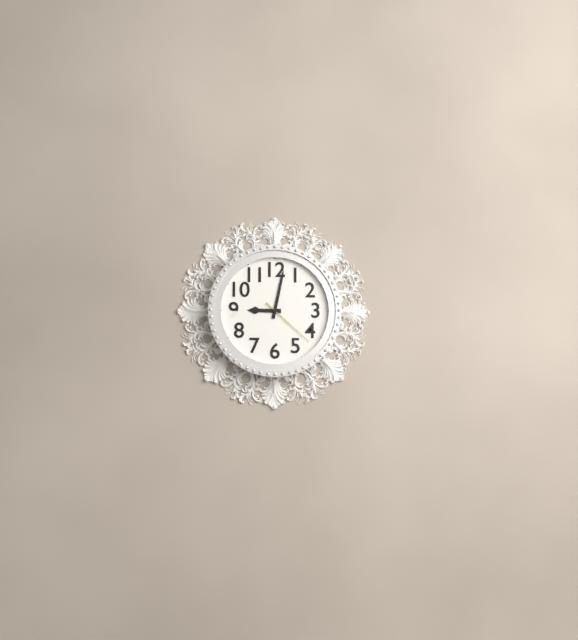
9:02:22
